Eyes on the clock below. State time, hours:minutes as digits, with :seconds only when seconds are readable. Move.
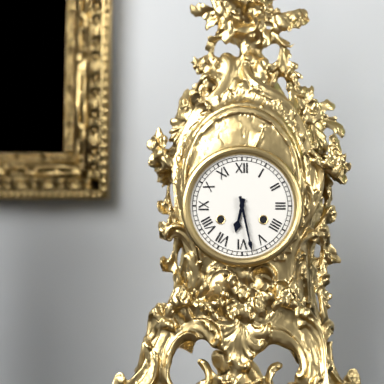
6:28
